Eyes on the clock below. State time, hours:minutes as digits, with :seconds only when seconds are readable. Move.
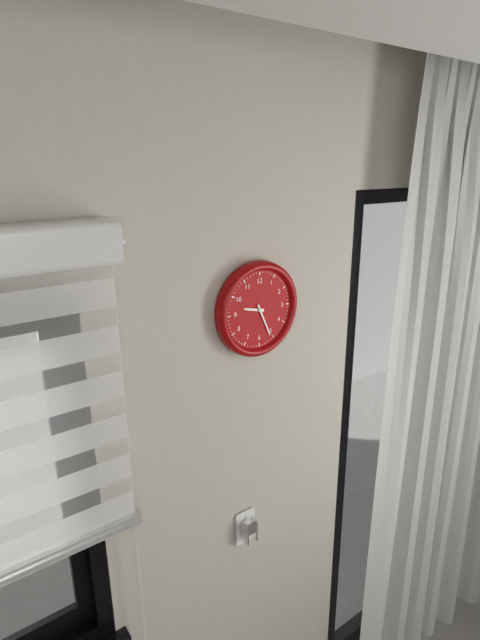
9:26
